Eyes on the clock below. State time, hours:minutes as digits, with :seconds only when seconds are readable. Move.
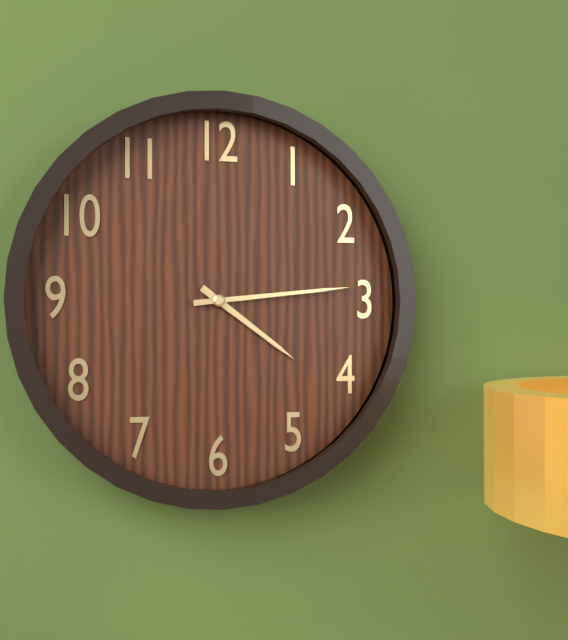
4:14
